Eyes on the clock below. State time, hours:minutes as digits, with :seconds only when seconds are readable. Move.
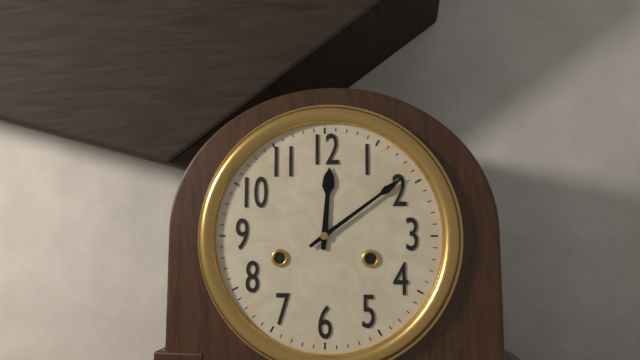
12:09
